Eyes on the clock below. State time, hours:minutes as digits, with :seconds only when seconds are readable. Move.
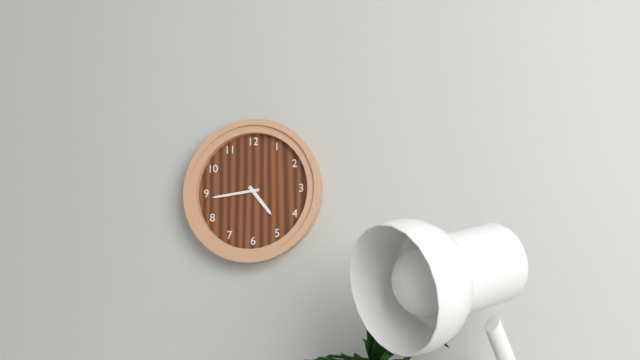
4:44
